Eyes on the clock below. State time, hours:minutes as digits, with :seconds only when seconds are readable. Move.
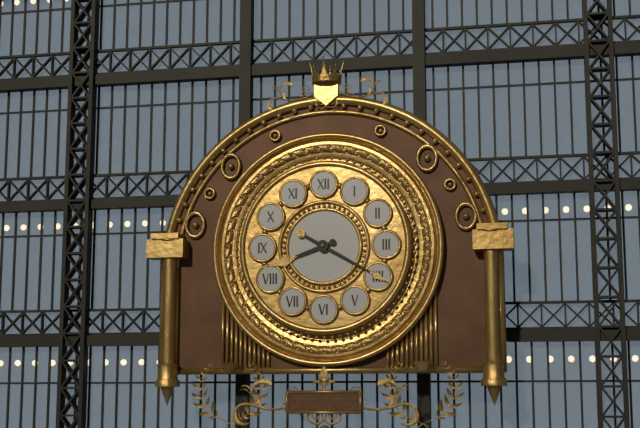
8:20
